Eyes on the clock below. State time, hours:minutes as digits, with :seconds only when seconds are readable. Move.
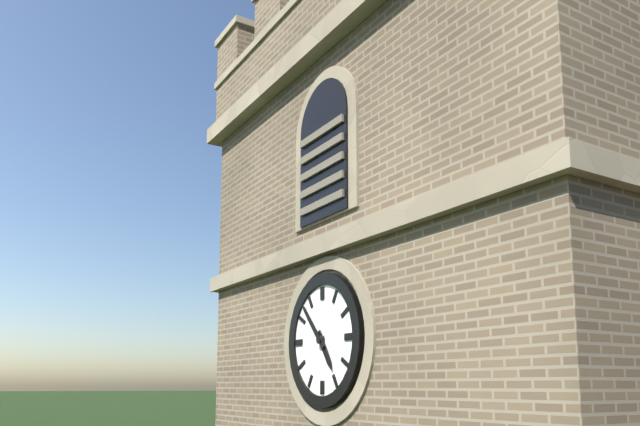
4:53
